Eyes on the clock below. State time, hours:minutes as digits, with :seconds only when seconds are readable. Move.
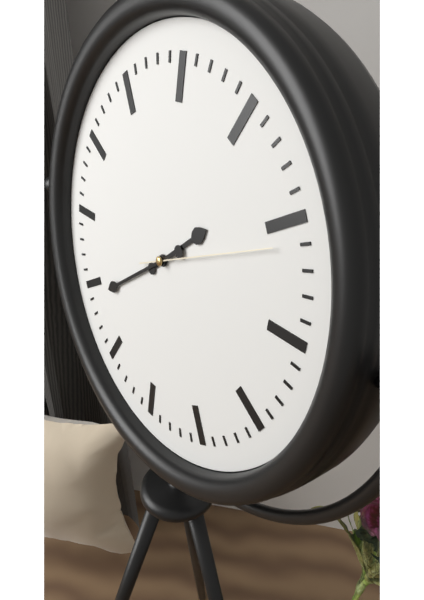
1:39:11
